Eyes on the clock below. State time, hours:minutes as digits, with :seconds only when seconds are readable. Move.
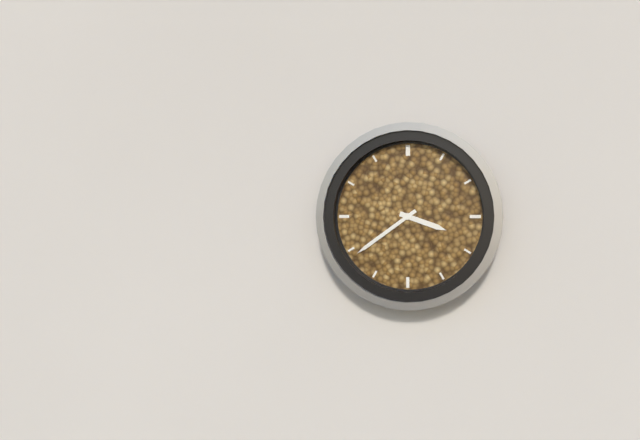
3:39
